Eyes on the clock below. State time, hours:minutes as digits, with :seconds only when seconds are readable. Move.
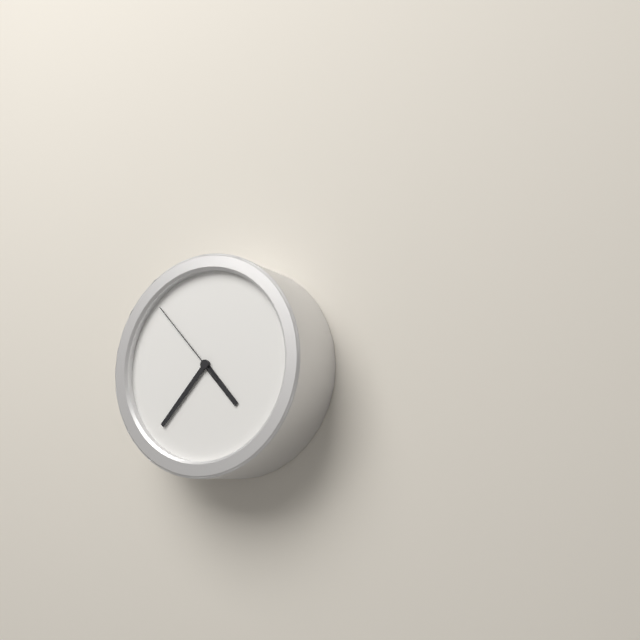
4:37:53
